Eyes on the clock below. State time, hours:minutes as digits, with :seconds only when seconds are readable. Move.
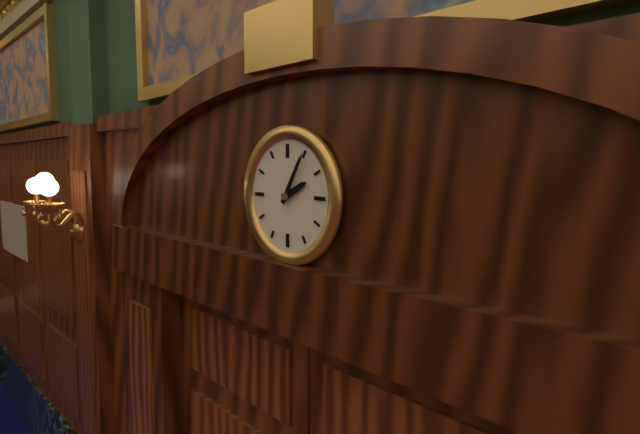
2:05
